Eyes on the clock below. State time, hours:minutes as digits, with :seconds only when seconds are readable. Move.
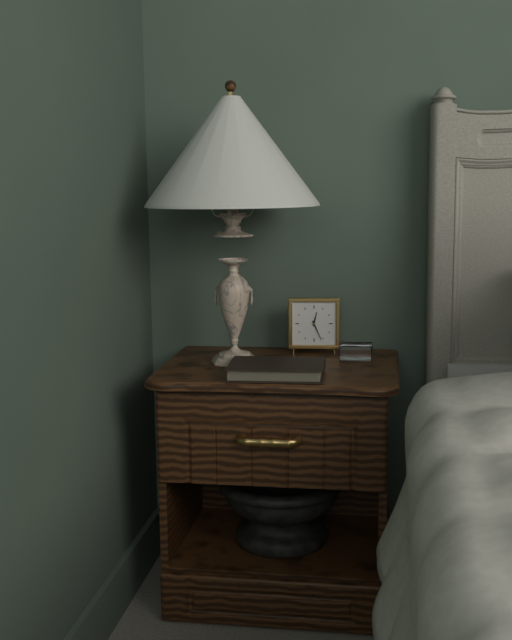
12:26
